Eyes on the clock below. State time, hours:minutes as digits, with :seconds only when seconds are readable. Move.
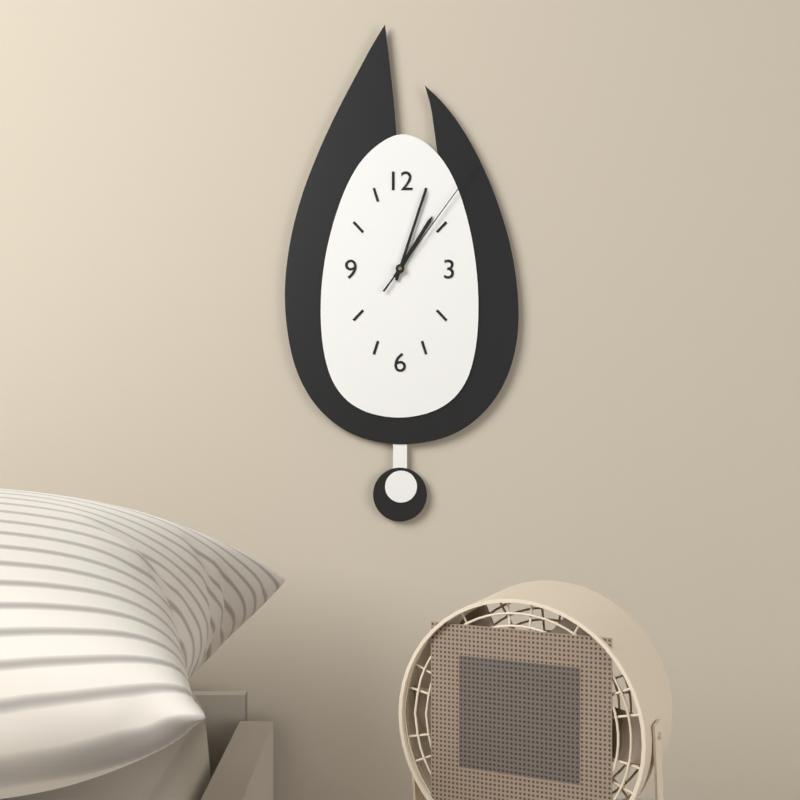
1:03:06
